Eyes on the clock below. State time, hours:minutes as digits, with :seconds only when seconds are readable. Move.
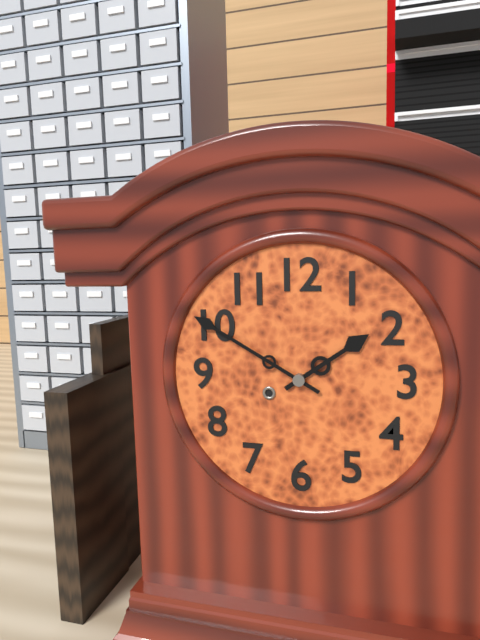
1:50
